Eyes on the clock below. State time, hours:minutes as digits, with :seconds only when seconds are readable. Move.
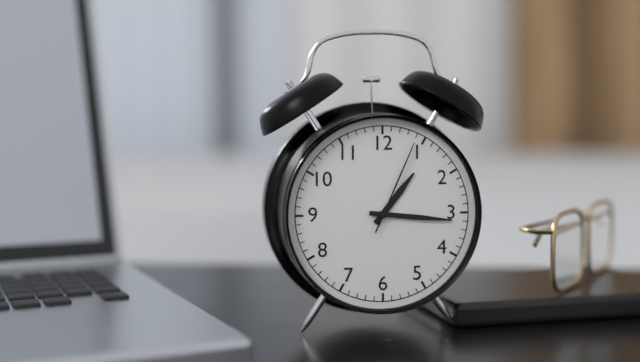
1:16:04
